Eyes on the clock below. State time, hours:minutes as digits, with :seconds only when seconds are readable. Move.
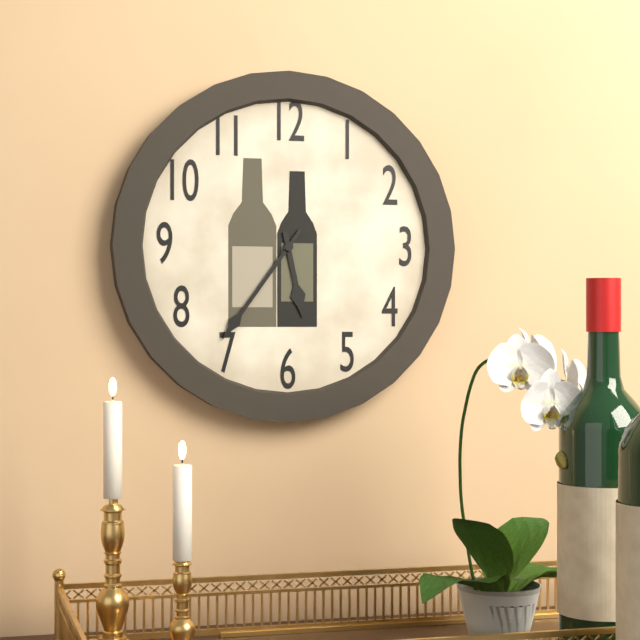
5:36
